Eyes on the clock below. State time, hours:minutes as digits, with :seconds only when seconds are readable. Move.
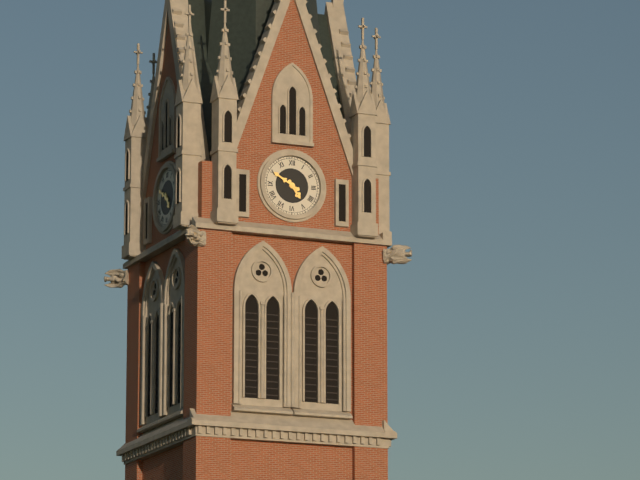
4:50
